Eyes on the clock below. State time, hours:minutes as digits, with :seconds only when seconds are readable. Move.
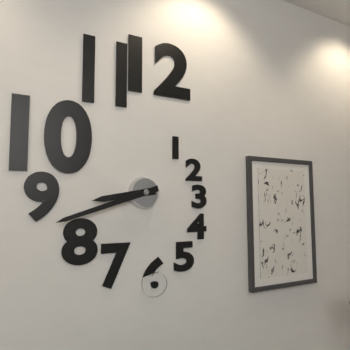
8:42
